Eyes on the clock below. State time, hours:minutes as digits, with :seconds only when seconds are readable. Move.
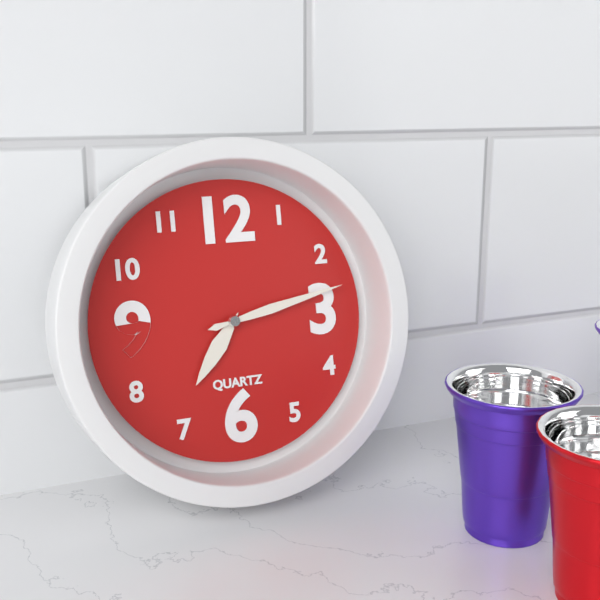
7:13
